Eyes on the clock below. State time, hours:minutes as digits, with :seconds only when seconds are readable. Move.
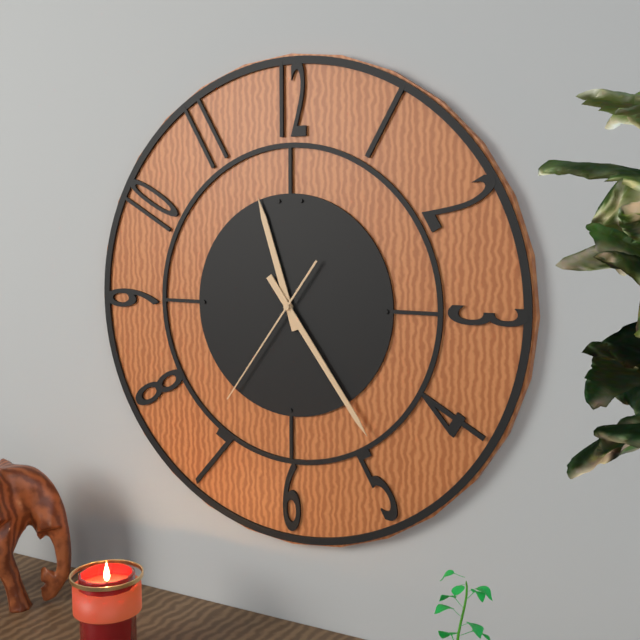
11:24:36
